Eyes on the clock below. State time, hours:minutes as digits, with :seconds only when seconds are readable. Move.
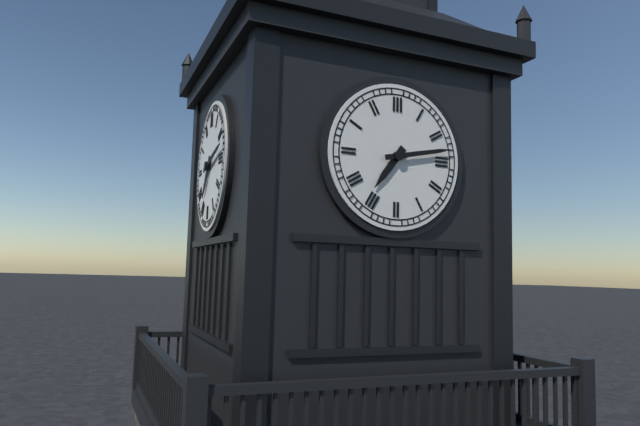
7:13
